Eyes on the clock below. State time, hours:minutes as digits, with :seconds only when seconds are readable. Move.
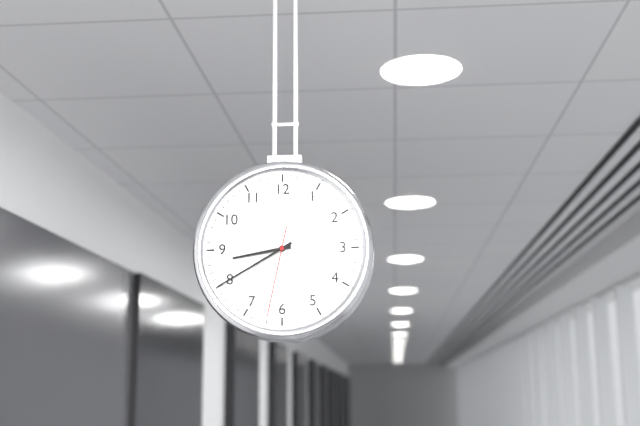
8:40:32
